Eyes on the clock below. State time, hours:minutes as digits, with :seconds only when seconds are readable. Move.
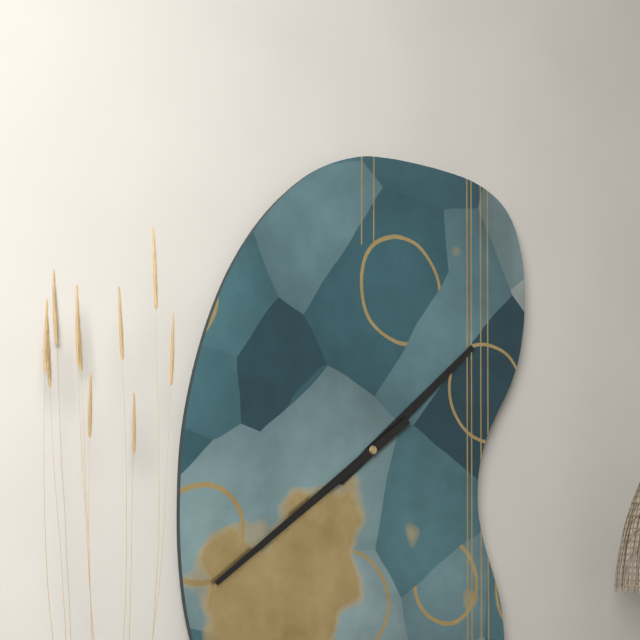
1:39
